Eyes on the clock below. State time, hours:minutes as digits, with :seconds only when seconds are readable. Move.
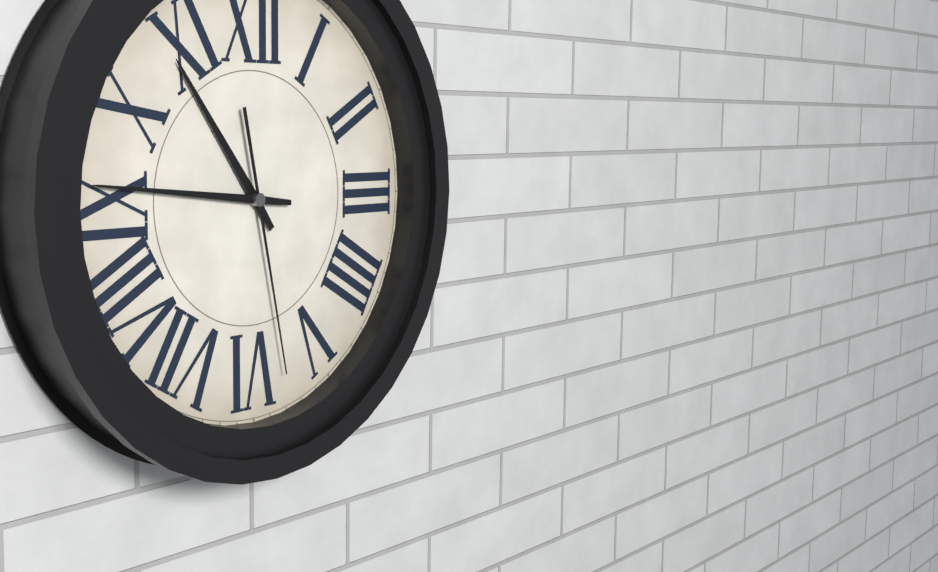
10:46:28
